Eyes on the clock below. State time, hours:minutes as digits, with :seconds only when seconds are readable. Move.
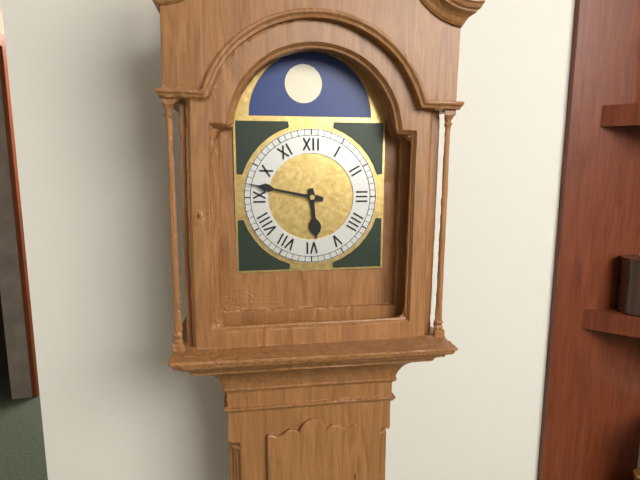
5:47
